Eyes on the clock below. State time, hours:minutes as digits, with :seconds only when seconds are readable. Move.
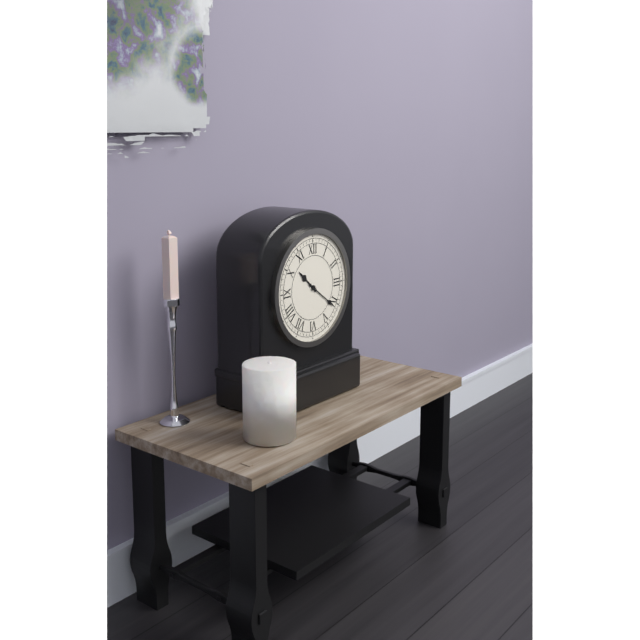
10:21
